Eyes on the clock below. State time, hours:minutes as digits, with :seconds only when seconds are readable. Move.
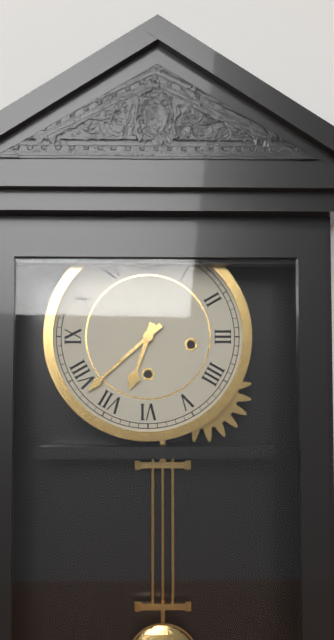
6:38
